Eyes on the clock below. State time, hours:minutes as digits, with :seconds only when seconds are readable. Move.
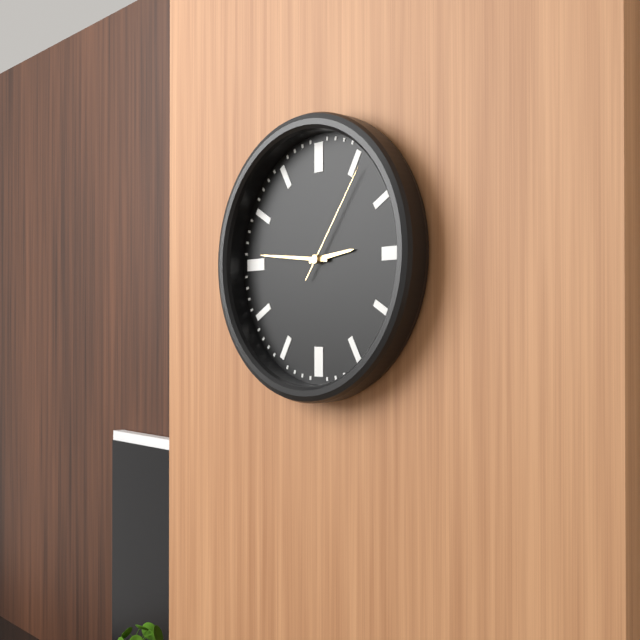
2:46:06
